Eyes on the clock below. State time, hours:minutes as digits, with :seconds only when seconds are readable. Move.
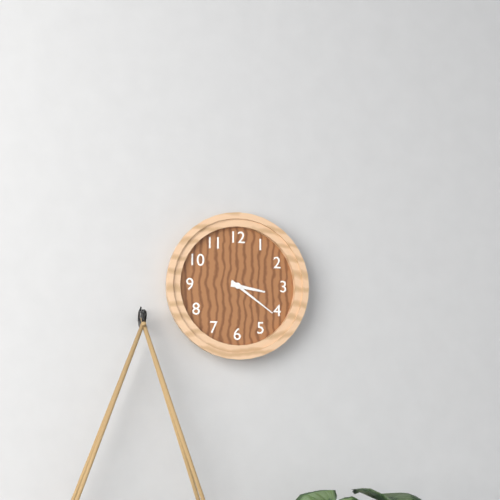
3:21
